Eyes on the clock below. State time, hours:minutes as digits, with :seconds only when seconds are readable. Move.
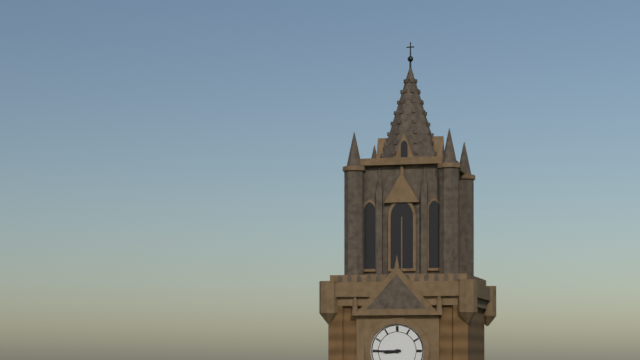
8:45
